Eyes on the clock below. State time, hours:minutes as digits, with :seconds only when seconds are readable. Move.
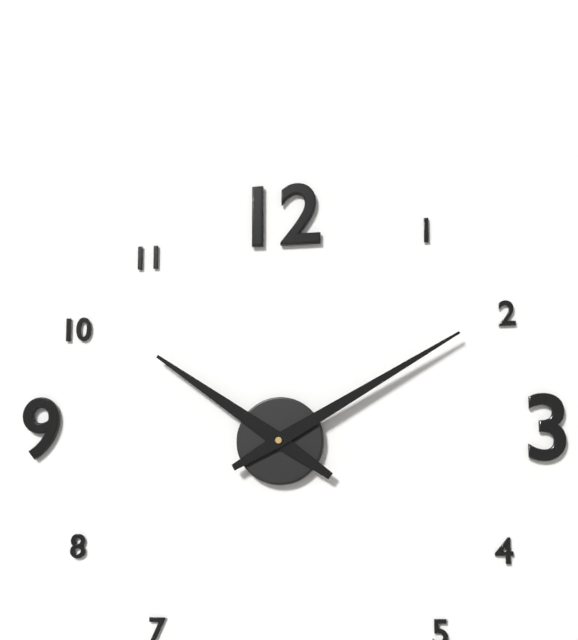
10:10
